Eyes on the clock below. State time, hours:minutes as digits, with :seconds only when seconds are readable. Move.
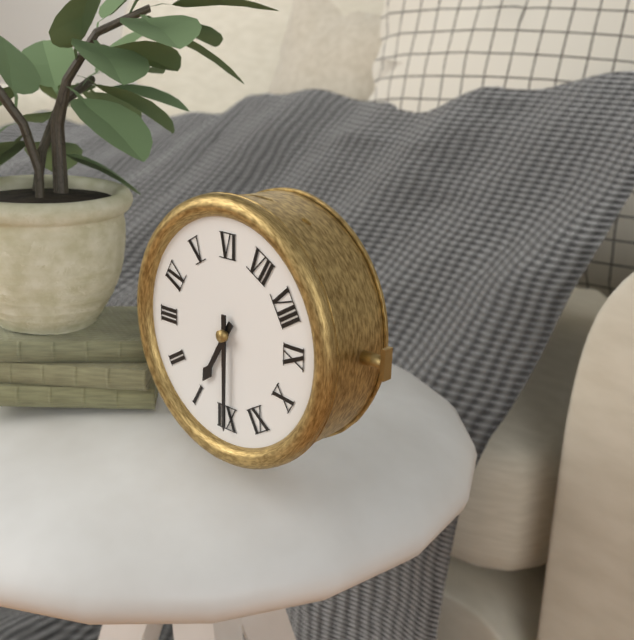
1:00
